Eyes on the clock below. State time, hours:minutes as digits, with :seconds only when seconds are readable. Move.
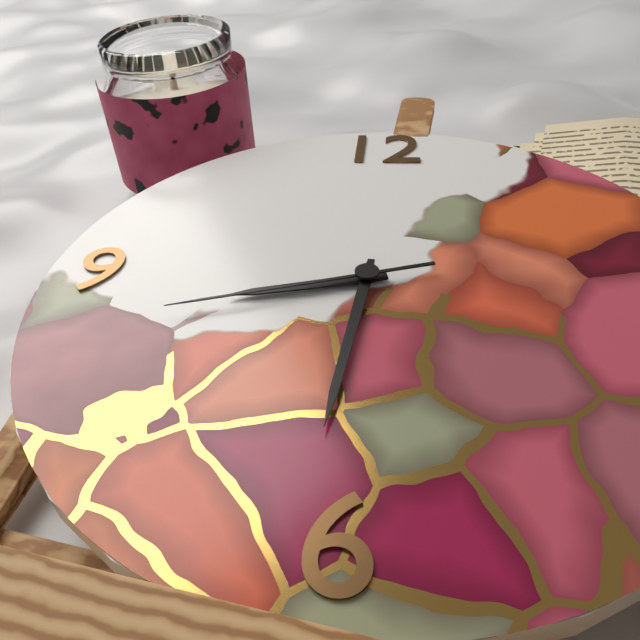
8:31:42
